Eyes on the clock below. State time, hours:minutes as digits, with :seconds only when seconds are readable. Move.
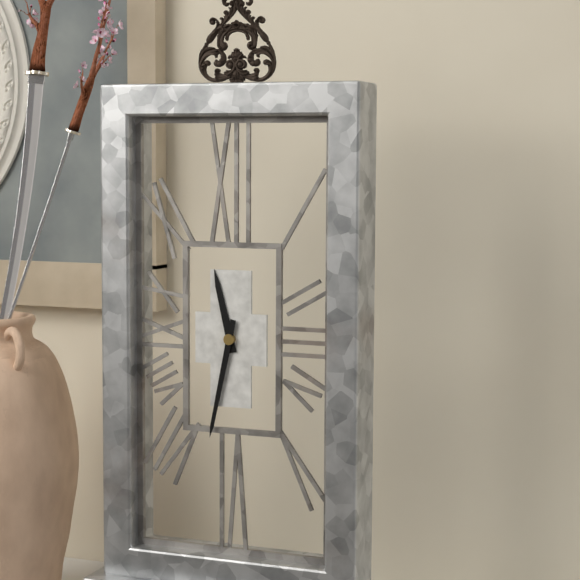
11:32
